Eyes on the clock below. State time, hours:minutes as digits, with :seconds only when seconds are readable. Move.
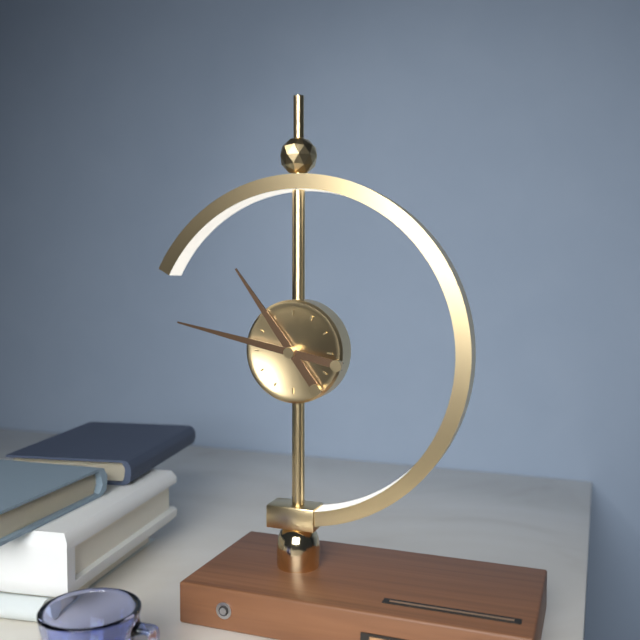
10:47
